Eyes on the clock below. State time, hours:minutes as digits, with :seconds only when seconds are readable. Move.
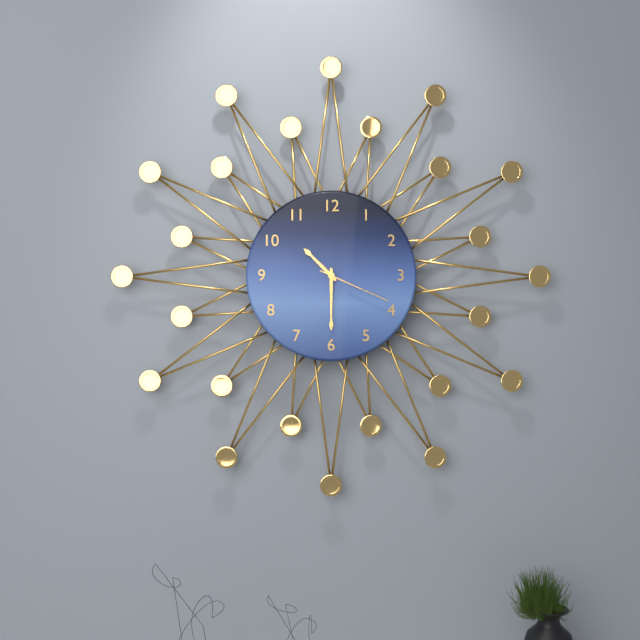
10:30:19
